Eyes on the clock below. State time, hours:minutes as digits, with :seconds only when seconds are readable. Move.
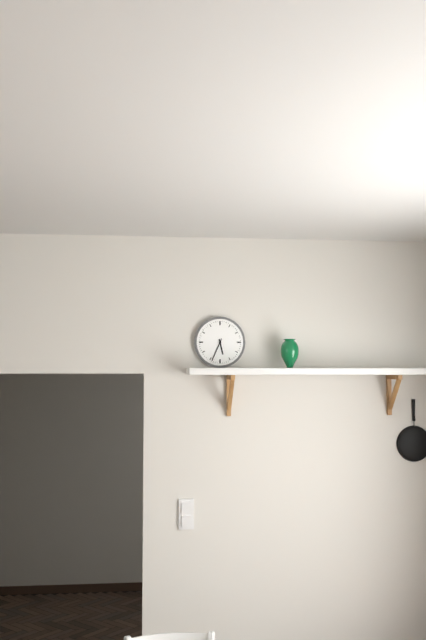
5:34
